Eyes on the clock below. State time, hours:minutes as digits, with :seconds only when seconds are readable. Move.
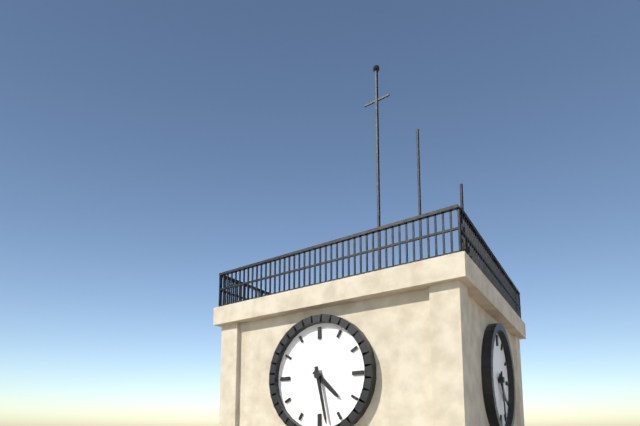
4:28
